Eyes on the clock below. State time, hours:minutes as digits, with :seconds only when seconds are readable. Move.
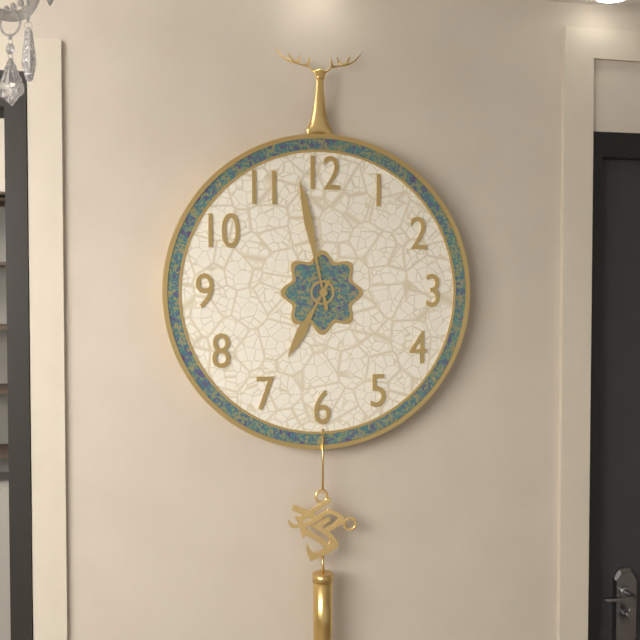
6:58
